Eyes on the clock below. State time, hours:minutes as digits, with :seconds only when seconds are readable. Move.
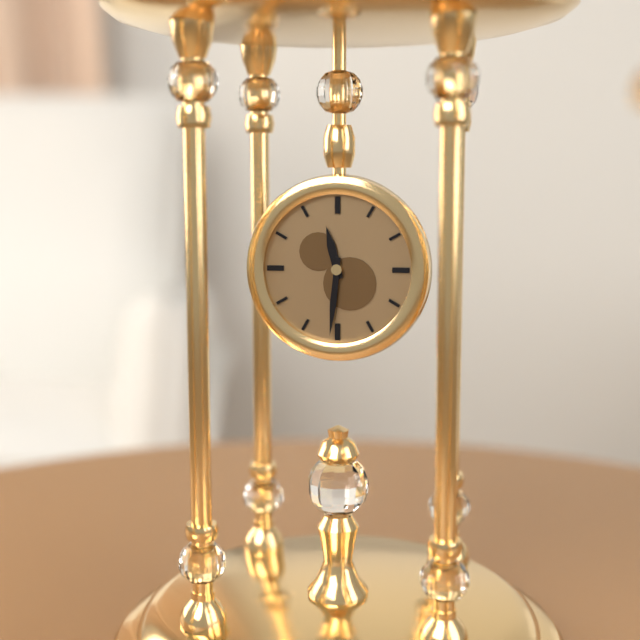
11:31
